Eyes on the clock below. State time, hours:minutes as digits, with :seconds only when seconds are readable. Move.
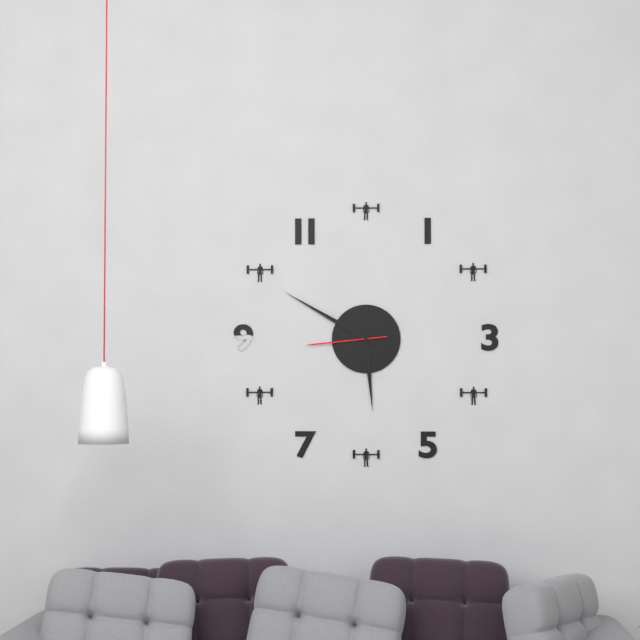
5:50:44
